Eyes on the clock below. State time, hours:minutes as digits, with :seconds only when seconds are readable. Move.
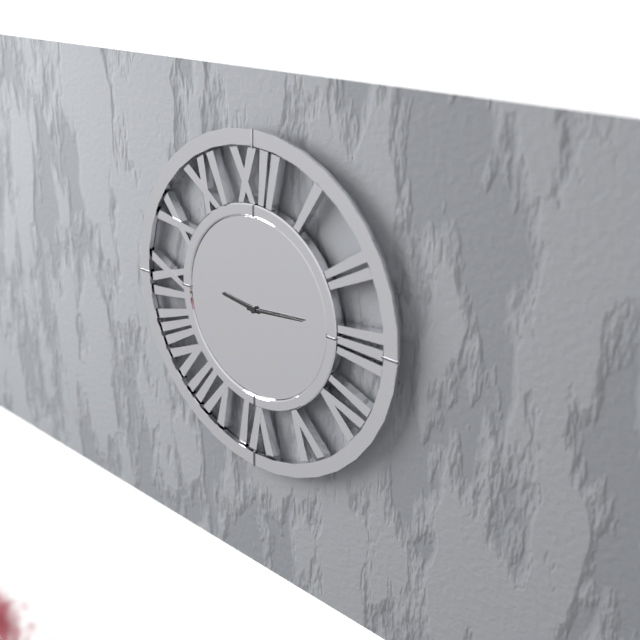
9:14
